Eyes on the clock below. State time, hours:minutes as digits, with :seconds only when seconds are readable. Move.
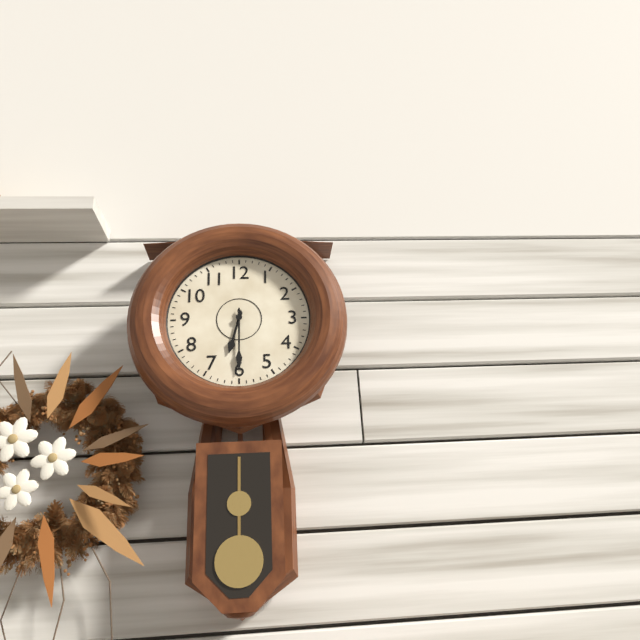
6:30
